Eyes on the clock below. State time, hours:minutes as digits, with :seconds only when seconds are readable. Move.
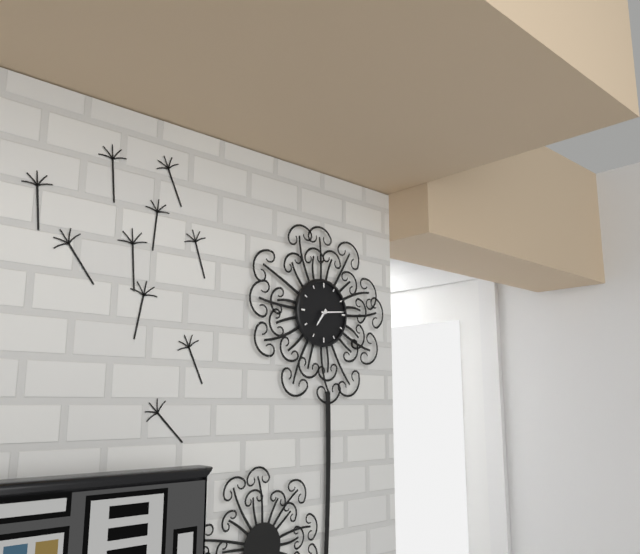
7:14
